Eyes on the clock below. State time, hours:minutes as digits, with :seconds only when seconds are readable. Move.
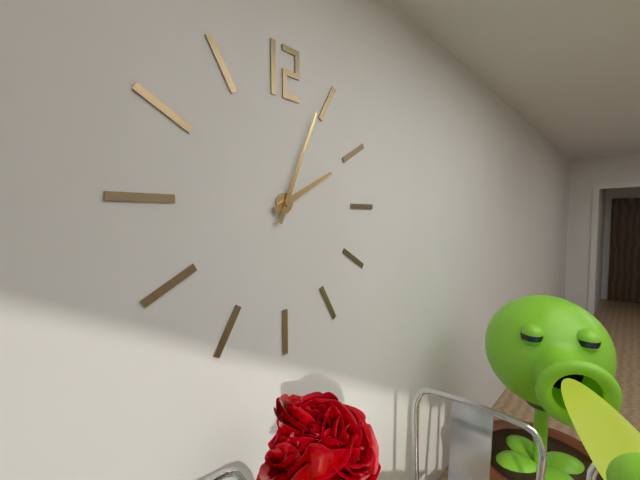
2:04
